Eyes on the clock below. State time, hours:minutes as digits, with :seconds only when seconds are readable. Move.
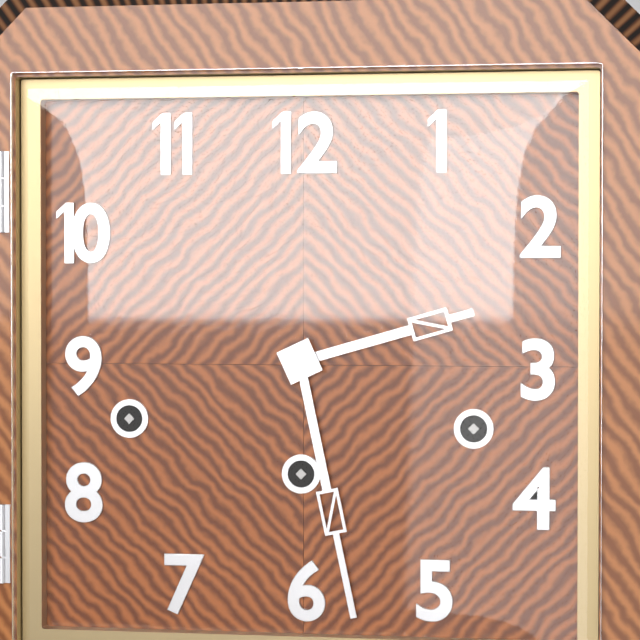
2:28
